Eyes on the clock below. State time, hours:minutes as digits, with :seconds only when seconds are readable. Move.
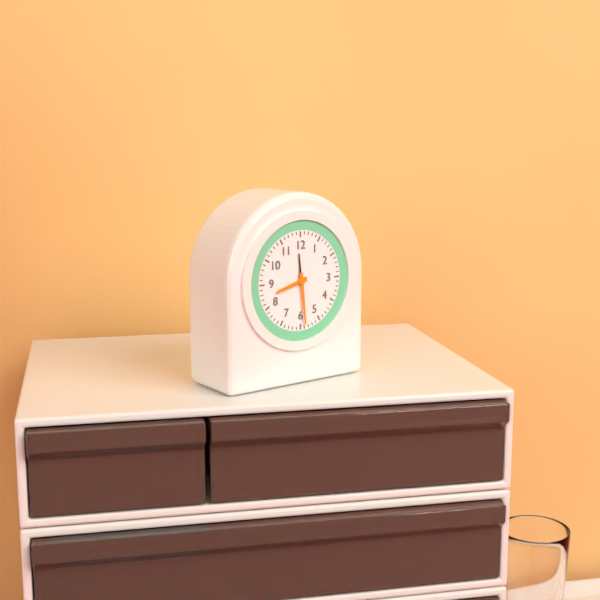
8:29
